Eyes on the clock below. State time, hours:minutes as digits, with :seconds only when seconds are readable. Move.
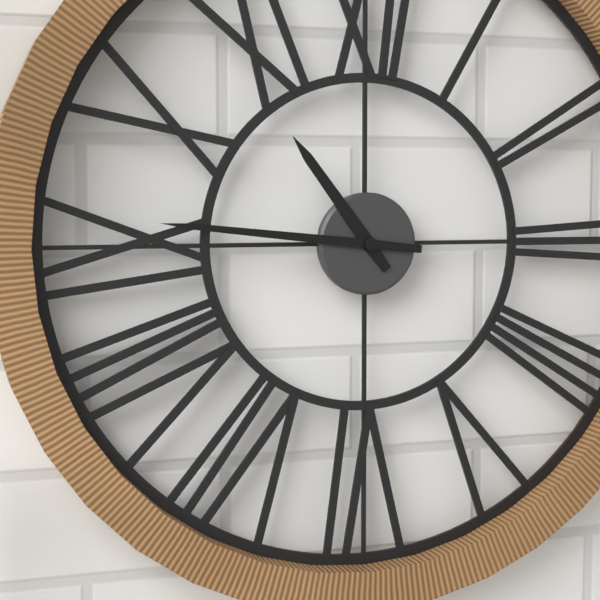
10:46
